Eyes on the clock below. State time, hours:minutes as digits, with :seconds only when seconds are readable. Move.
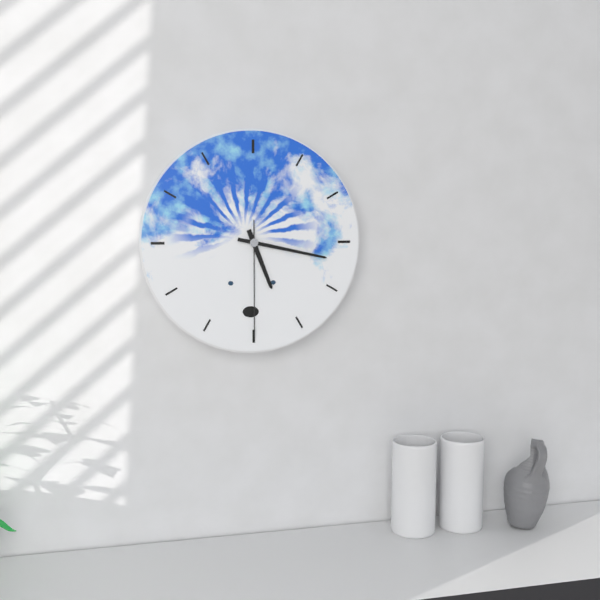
5:17:30
